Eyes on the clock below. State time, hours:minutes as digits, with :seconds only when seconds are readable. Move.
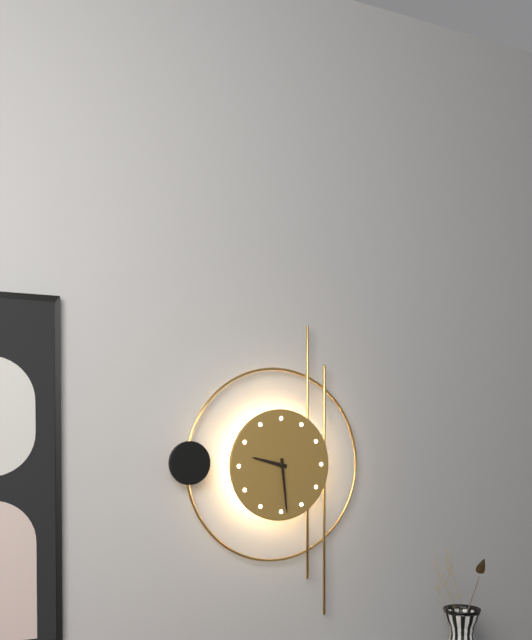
9:29
